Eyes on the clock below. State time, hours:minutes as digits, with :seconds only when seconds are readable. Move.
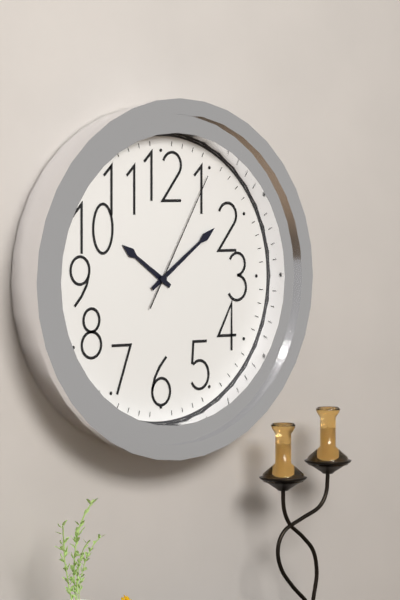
10:09:05
